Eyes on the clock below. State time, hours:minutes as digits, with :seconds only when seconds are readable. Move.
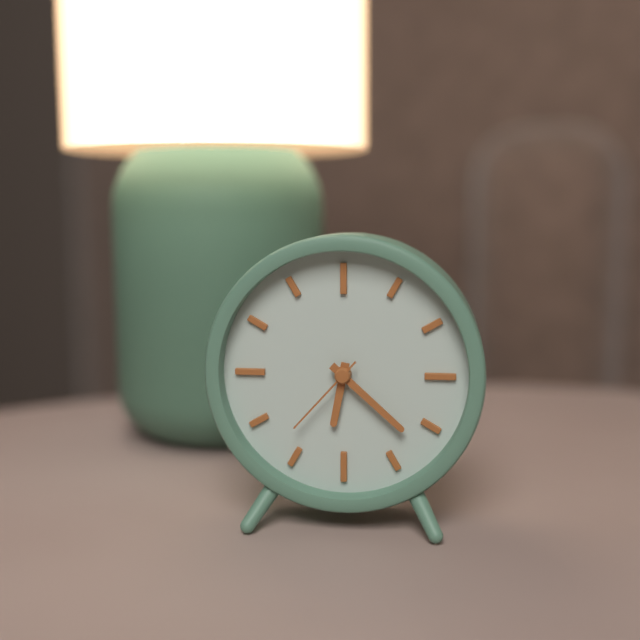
6:22:37
